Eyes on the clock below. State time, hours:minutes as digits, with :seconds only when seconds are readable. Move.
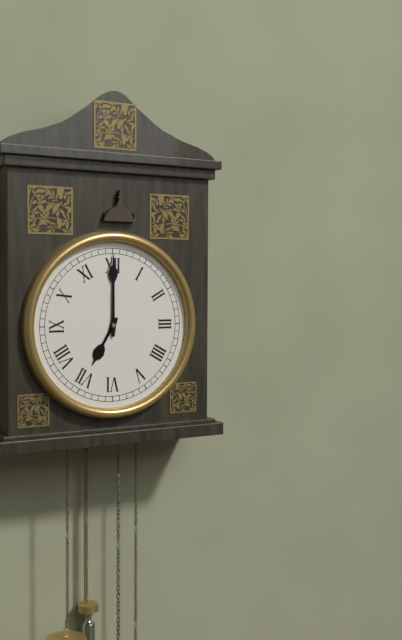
7:00
